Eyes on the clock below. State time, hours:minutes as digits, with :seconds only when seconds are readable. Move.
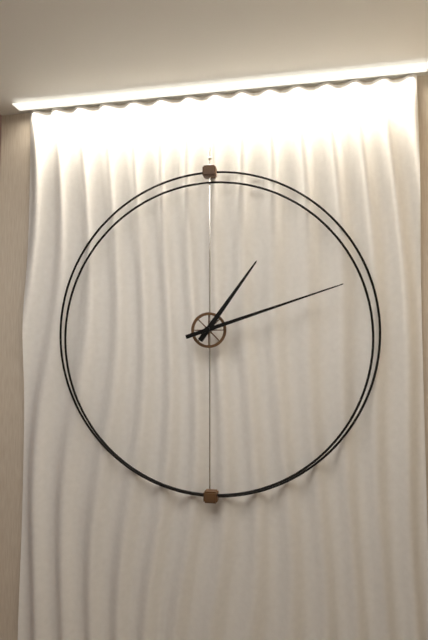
1:12
